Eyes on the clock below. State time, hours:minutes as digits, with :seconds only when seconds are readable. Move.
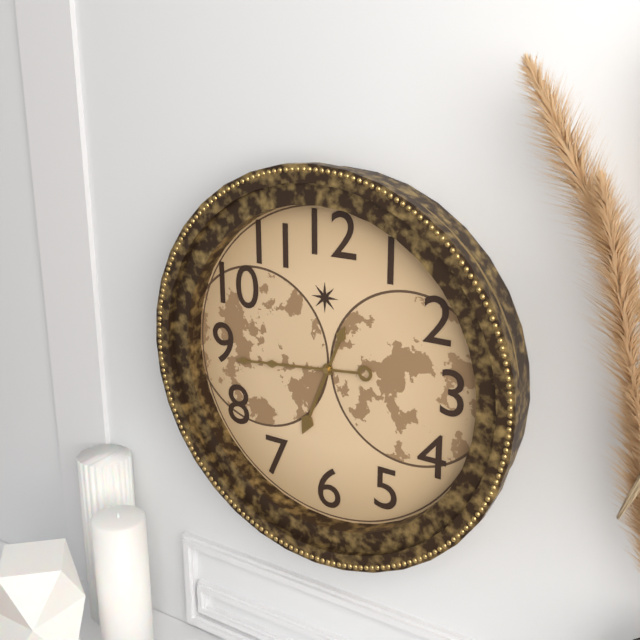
6:44
